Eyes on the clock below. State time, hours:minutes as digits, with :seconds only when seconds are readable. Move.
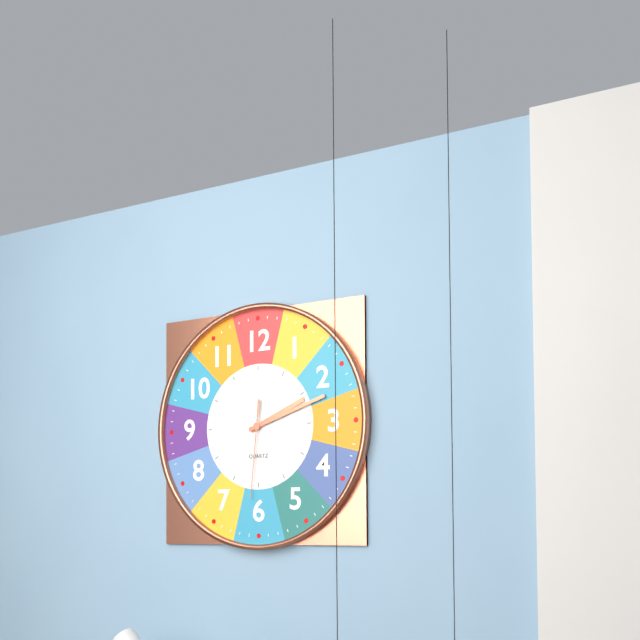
2:12:31
